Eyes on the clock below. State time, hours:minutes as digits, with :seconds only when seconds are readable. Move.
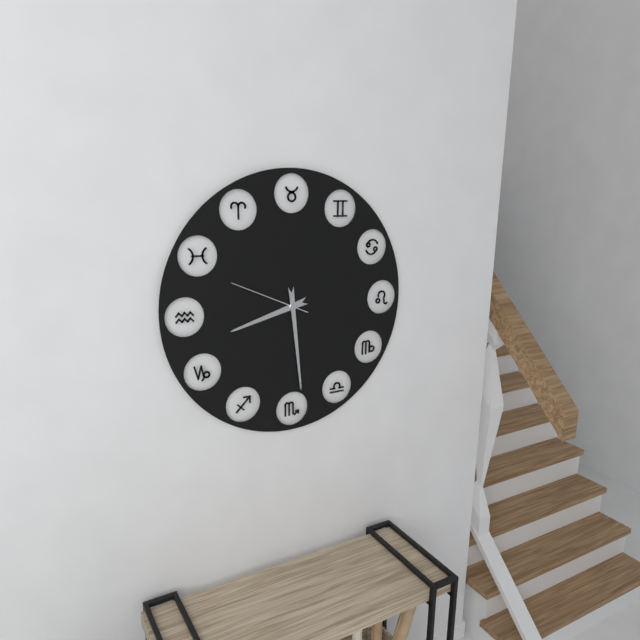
8:29:49
